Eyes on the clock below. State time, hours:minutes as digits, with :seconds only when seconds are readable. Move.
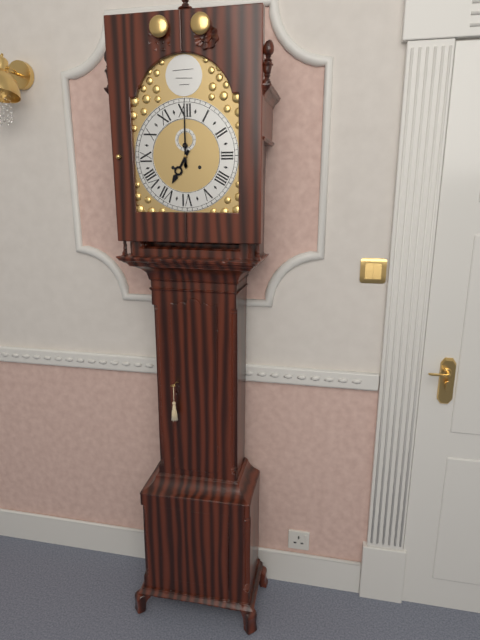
7:00
